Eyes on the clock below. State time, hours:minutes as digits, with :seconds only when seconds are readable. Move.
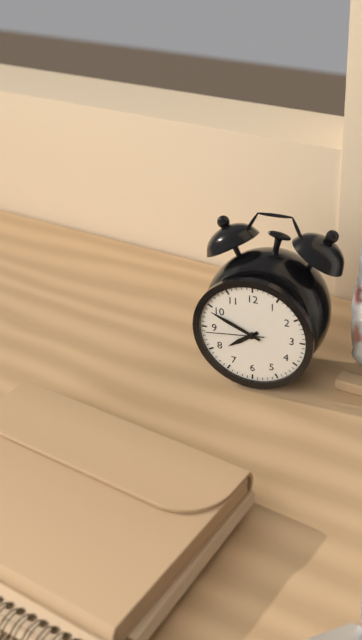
7:49:44
